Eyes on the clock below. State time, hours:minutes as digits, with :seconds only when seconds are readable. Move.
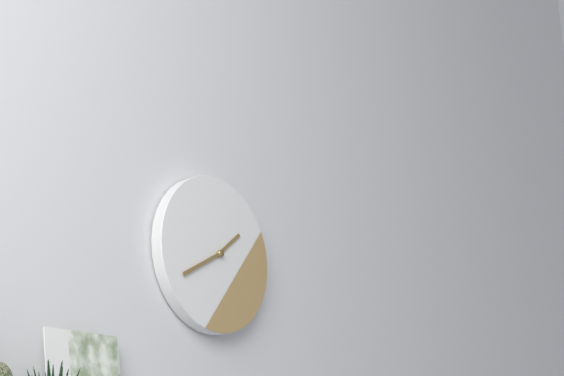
1:40
